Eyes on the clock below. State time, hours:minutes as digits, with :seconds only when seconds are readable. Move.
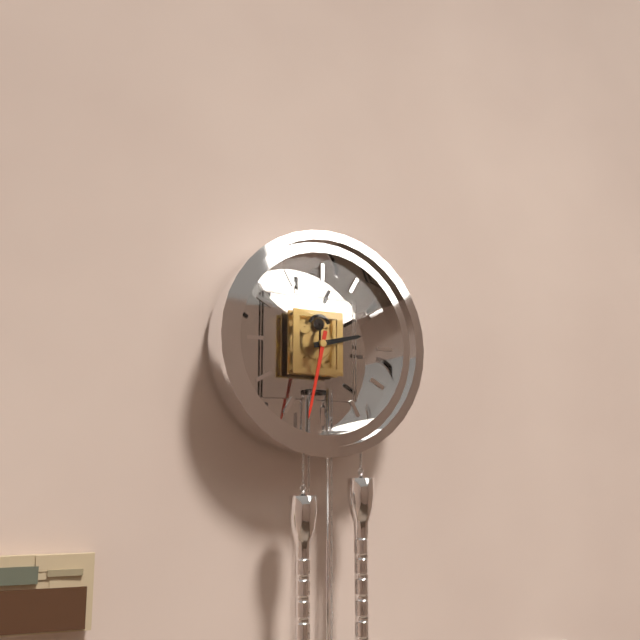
2:32
